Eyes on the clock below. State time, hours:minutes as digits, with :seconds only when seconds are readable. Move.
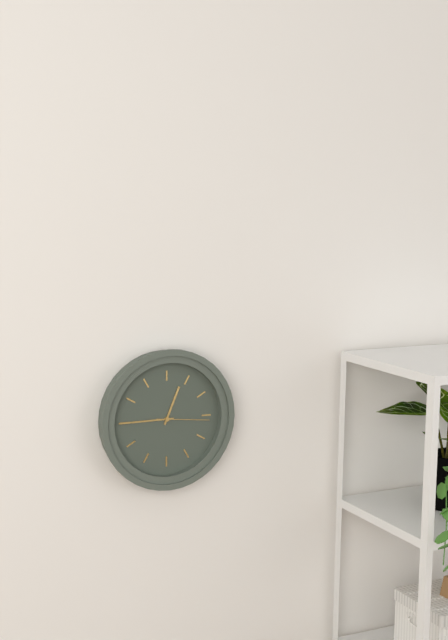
12:45:16
